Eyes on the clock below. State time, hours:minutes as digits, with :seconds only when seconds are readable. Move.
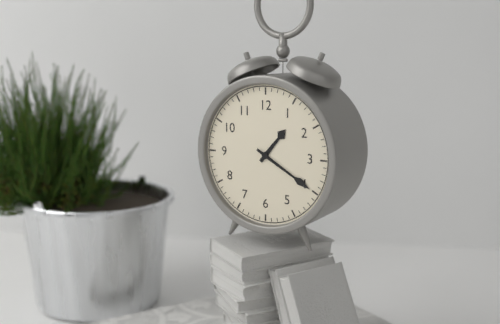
1:20
